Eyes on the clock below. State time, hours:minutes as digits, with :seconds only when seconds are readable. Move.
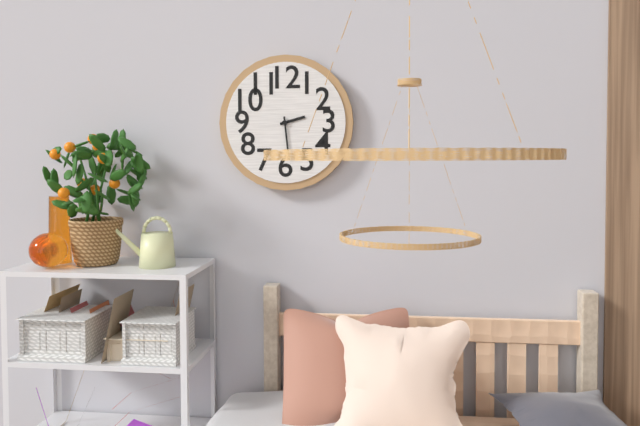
2:29
